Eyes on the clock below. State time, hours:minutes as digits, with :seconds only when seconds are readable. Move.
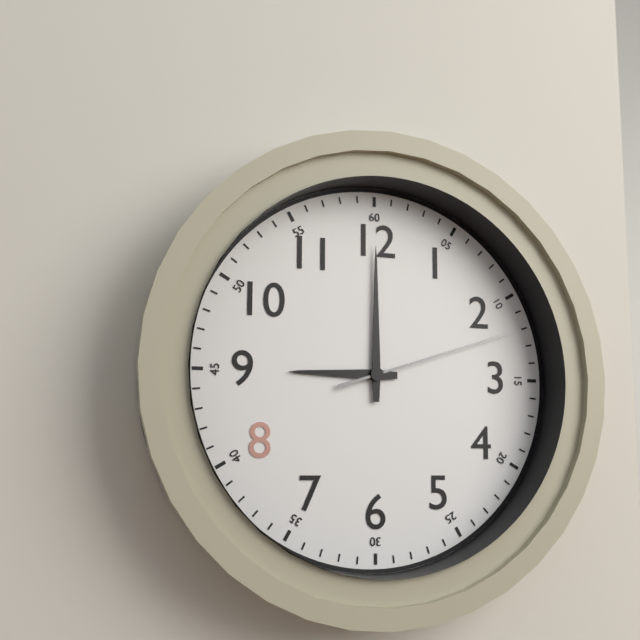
9:00:12
